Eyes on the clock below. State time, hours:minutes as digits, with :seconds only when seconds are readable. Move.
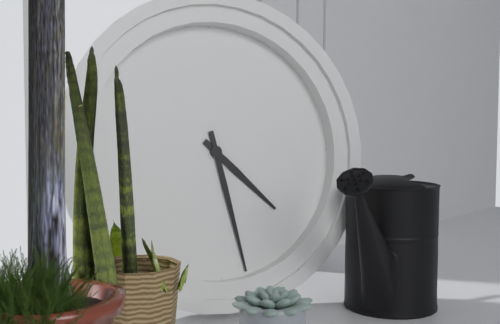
4:28
